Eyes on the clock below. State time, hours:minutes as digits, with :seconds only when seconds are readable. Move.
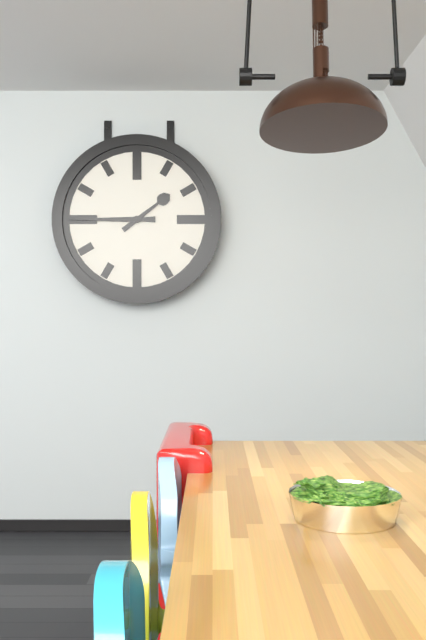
1:45
